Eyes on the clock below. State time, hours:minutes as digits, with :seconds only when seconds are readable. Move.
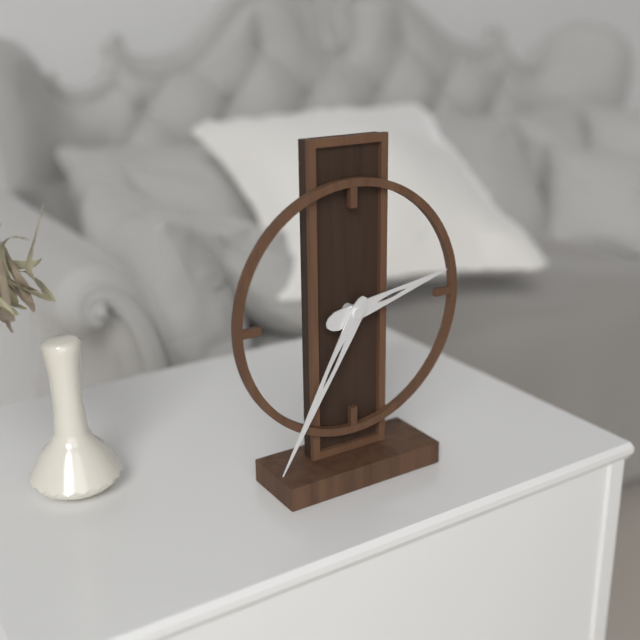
2:35
